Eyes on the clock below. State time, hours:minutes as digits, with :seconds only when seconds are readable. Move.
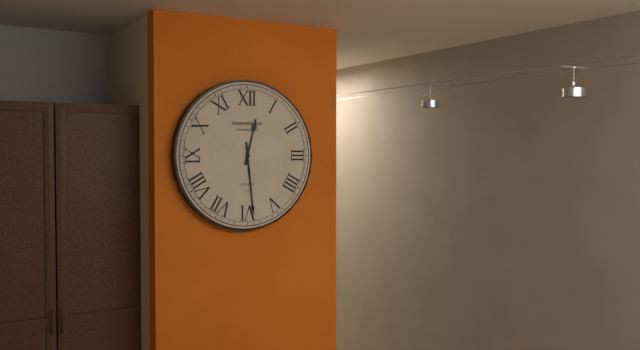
12:29
